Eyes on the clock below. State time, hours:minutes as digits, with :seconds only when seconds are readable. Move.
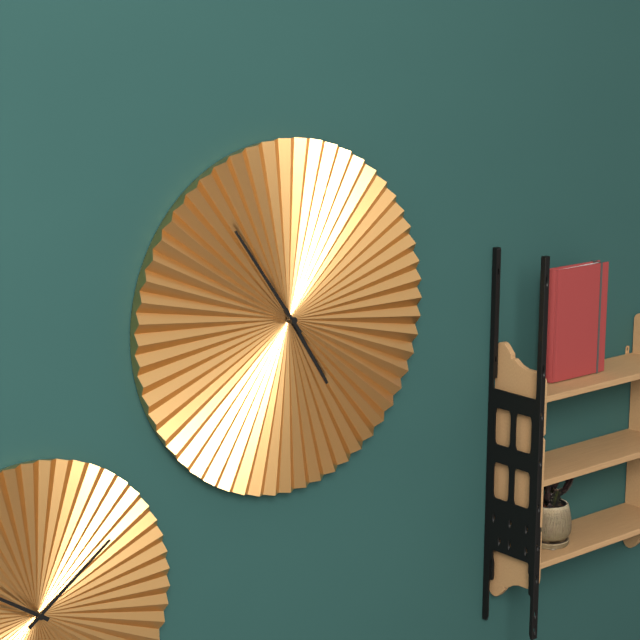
4:54
